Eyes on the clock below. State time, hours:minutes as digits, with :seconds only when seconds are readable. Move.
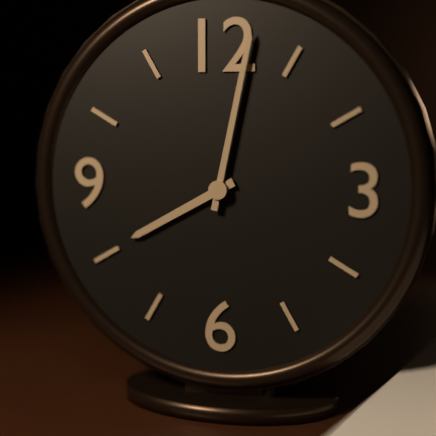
8:02
